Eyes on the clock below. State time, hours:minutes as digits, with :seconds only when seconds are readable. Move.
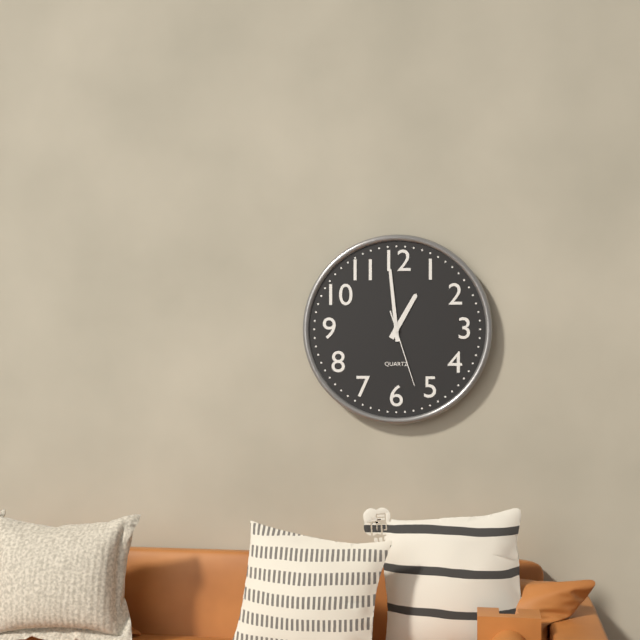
12:59:27
